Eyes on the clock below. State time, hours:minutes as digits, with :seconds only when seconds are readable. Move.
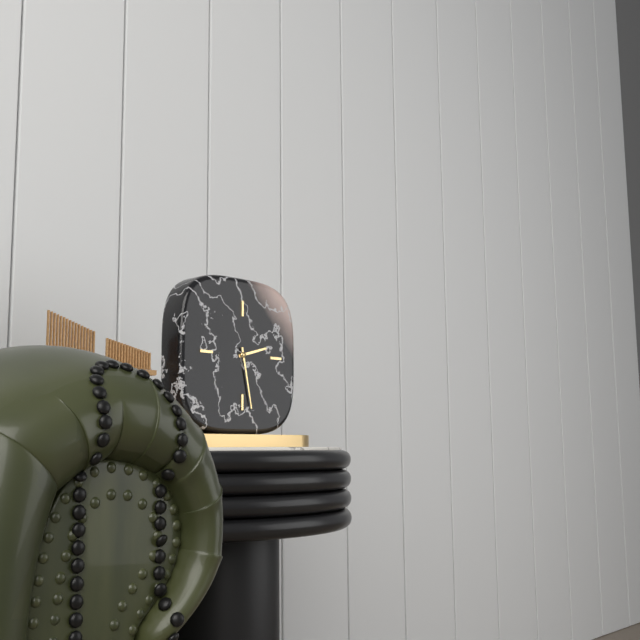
2:28
